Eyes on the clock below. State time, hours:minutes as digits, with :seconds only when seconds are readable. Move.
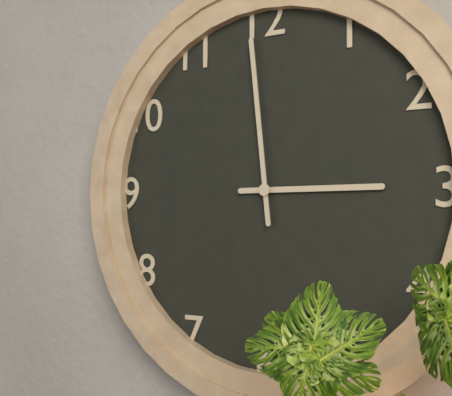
2:59
